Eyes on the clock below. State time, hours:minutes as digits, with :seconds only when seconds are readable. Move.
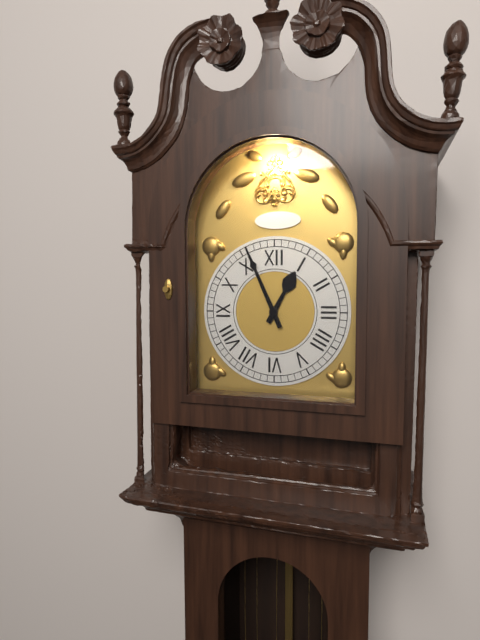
12:56
